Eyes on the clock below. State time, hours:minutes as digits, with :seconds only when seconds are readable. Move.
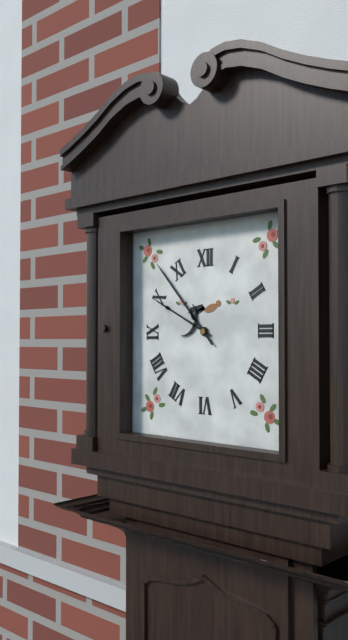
9:53
